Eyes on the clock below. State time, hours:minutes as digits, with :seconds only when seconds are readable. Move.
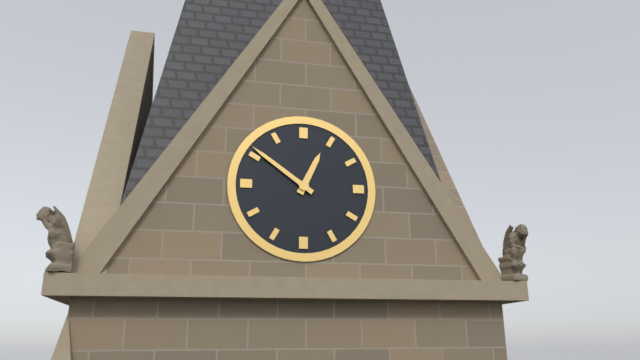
12:51
